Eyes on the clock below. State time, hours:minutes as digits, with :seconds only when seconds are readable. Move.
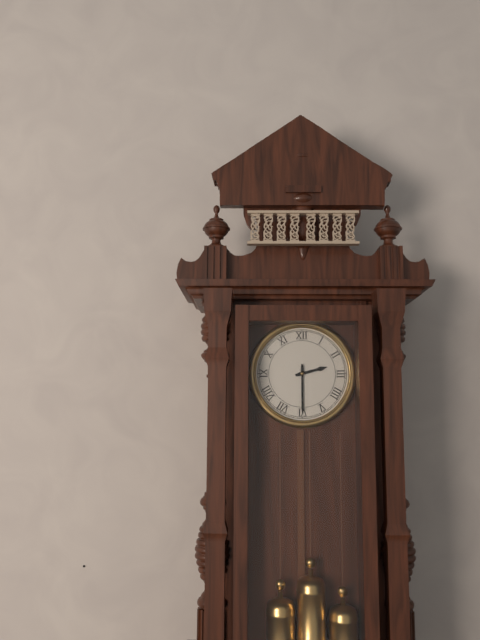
2:30
